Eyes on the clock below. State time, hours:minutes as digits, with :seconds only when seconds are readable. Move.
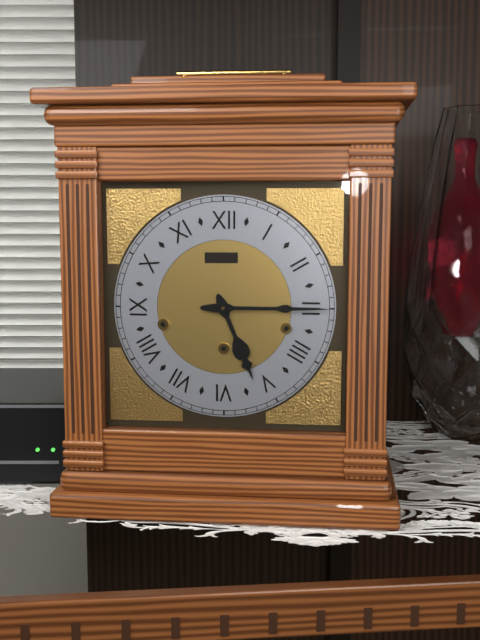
5:15
